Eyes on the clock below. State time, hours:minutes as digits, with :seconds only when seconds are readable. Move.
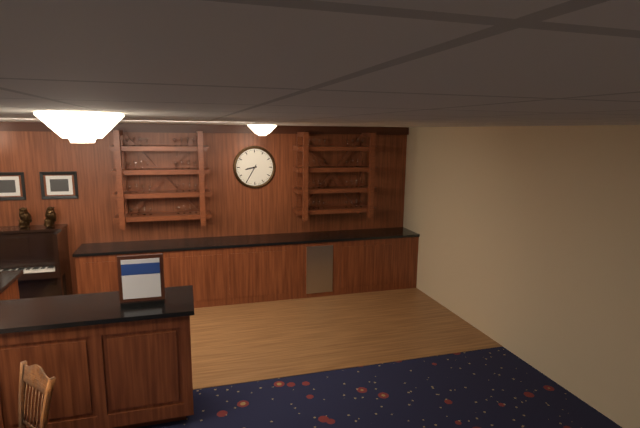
8:35
